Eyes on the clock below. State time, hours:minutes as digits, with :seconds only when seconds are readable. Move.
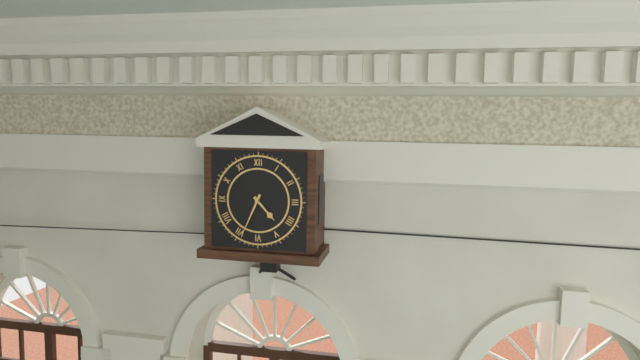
4:34
